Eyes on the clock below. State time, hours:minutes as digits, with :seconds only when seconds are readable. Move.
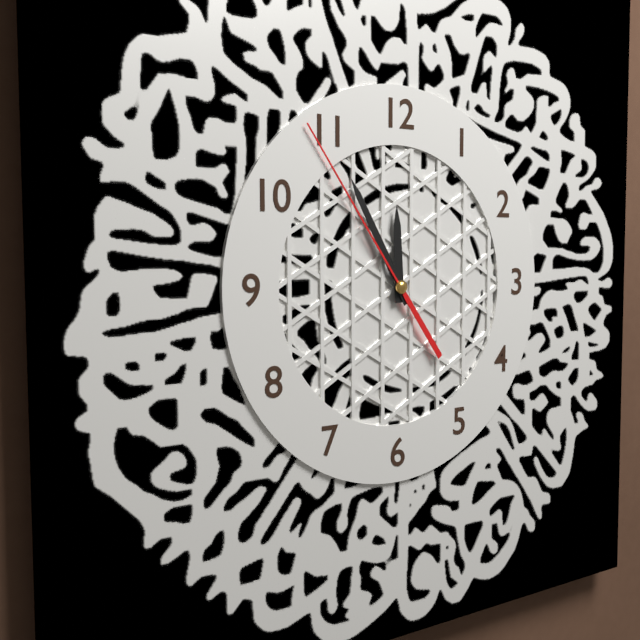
11:55:54
